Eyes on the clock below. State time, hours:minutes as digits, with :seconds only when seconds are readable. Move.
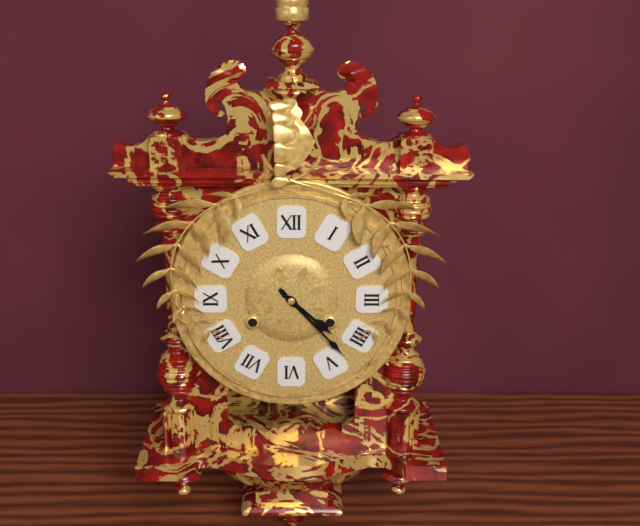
4:23
